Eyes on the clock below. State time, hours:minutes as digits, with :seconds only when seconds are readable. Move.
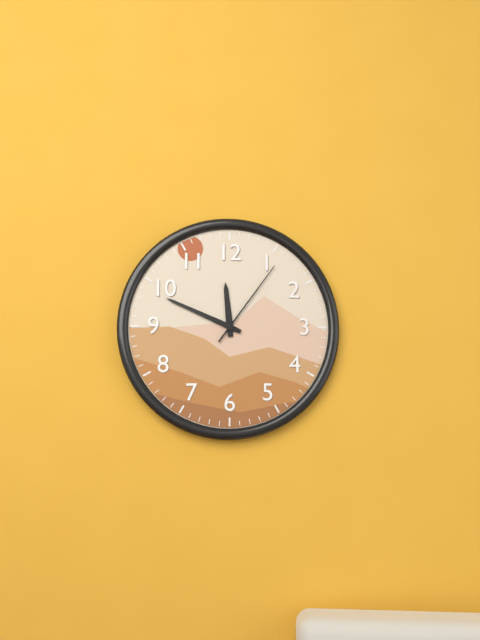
11:49:06
